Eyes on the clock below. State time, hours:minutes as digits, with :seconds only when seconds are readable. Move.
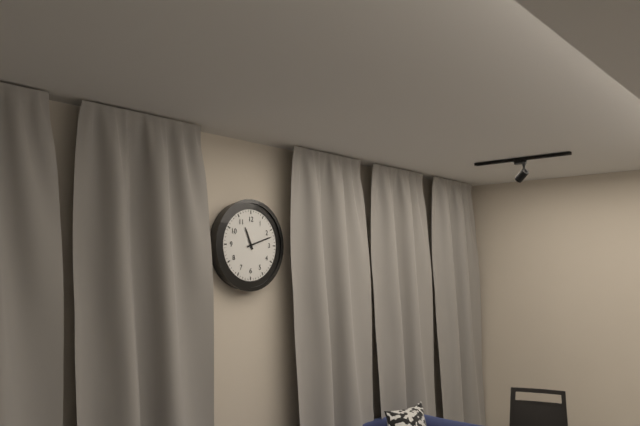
11:12
